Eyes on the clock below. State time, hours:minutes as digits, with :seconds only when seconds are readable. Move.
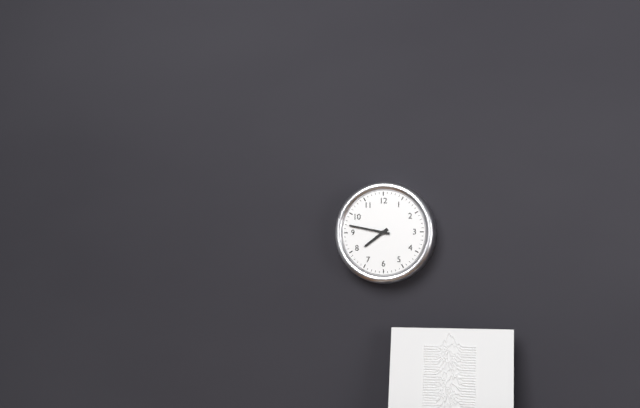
7:47
